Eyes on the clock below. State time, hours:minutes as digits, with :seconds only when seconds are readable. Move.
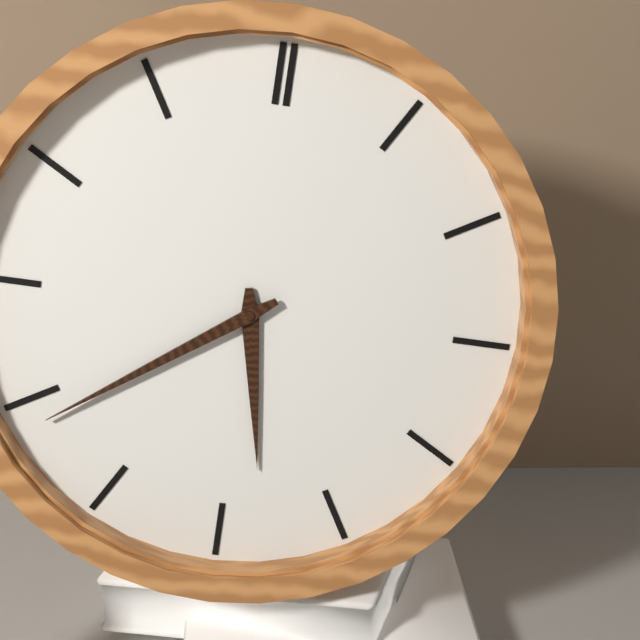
5:39
